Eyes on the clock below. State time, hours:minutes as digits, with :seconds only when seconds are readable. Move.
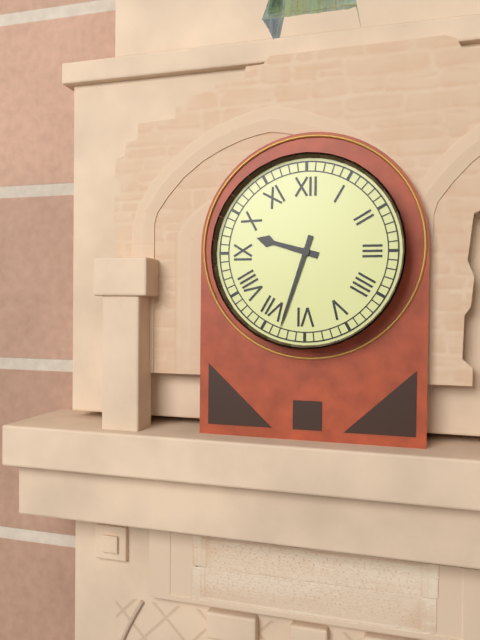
9:33
